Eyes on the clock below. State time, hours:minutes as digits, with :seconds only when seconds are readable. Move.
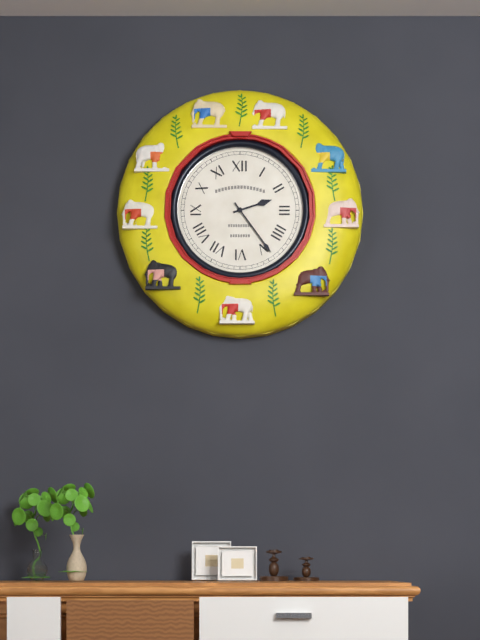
2:24
